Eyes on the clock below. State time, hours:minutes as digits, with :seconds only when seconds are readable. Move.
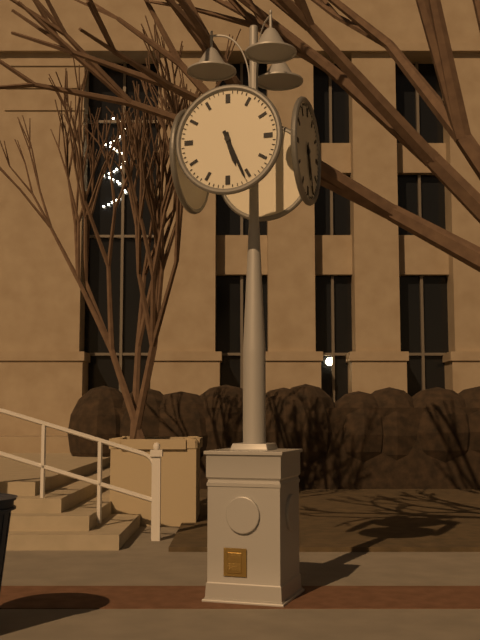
5:26
